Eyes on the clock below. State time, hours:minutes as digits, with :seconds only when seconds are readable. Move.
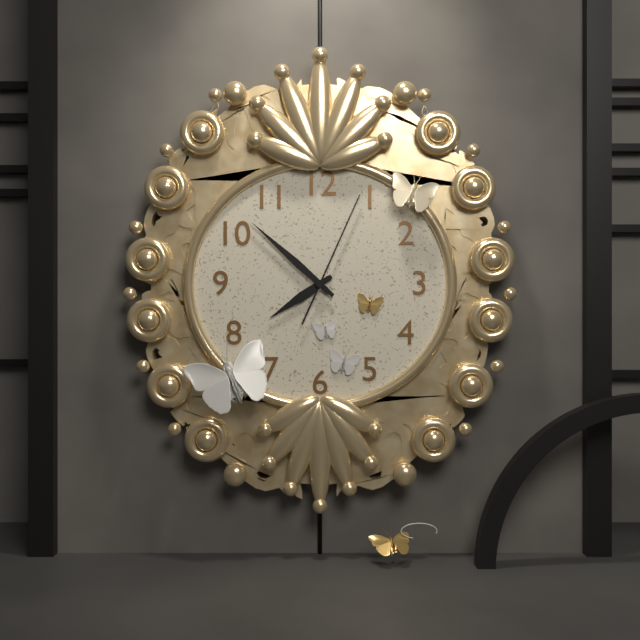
7:52:04
